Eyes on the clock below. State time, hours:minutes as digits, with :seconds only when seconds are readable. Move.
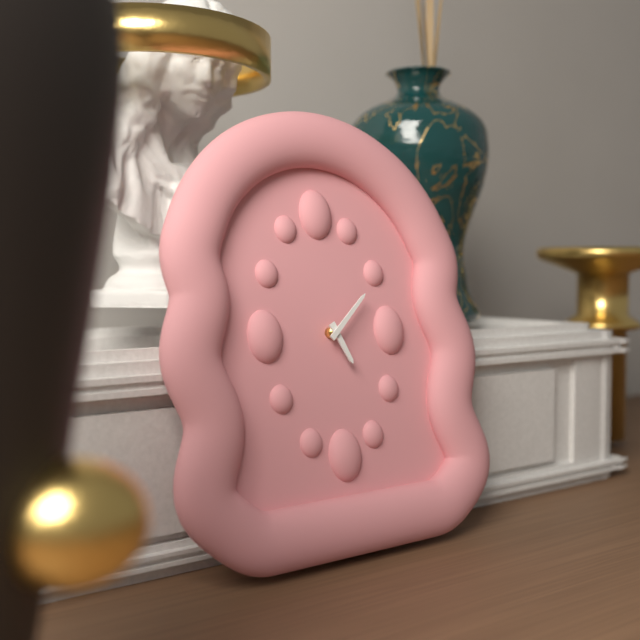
5:08
